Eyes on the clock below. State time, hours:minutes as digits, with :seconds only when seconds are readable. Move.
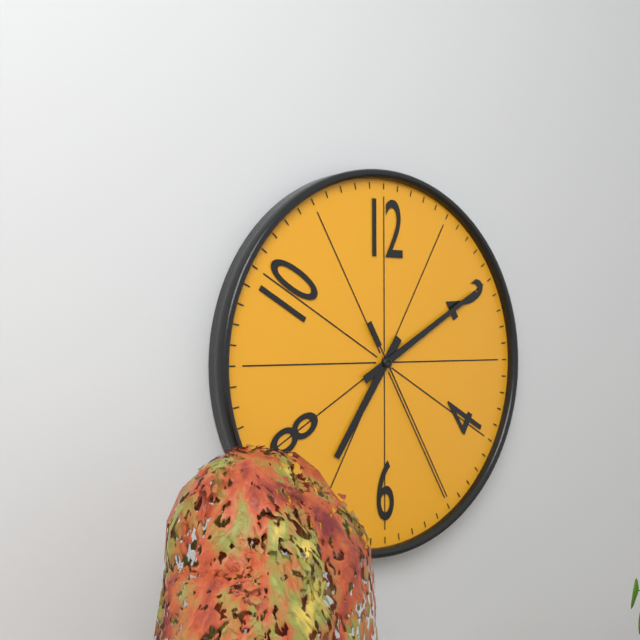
7:10:25
